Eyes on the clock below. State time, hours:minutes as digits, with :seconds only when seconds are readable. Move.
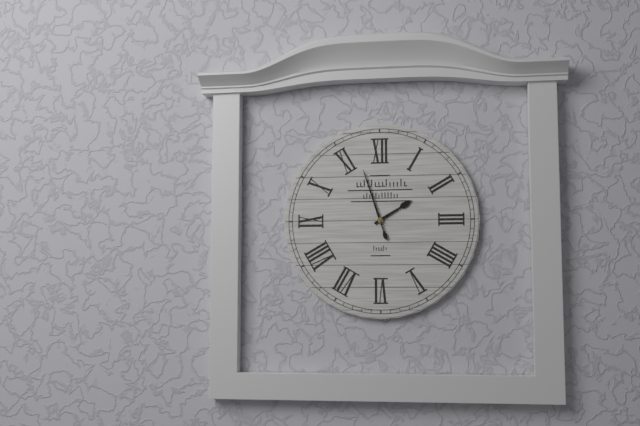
1:57
